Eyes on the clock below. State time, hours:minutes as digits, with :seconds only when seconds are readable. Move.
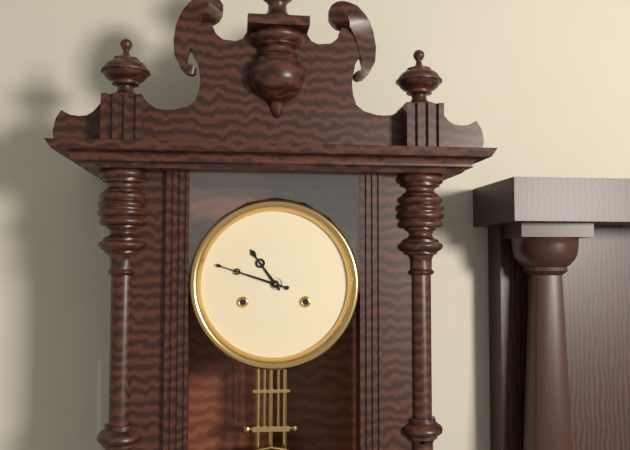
10:48
